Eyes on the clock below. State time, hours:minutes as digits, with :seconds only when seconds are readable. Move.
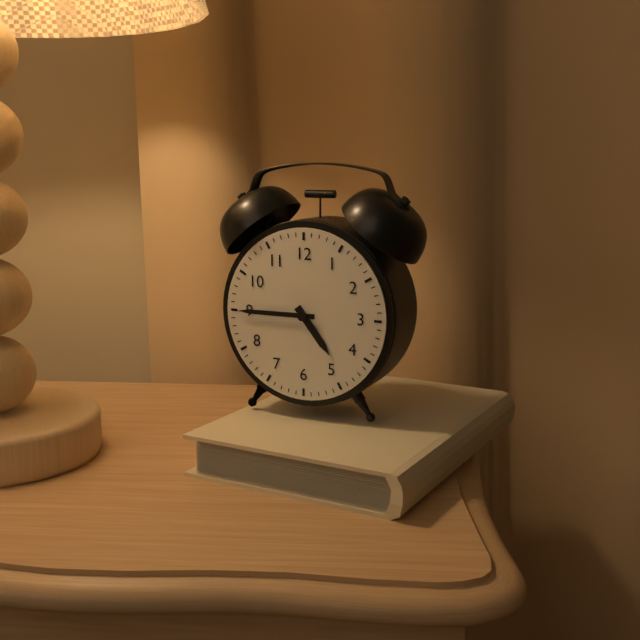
4:45
